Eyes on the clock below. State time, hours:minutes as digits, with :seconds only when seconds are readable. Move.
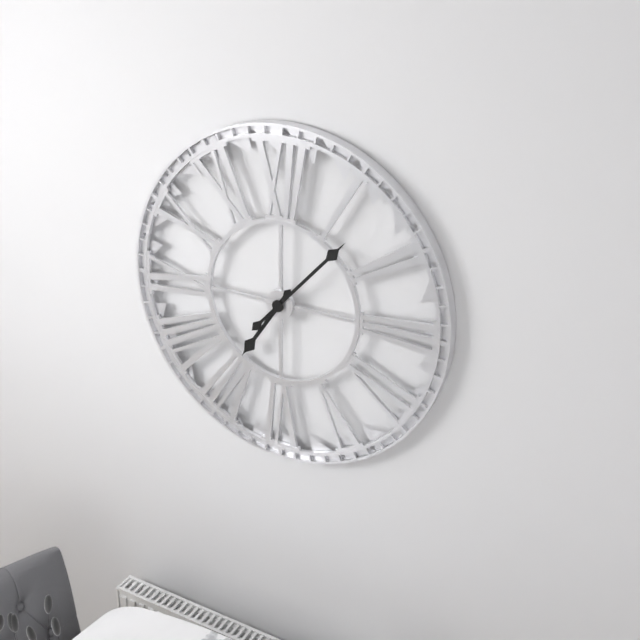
7:07
